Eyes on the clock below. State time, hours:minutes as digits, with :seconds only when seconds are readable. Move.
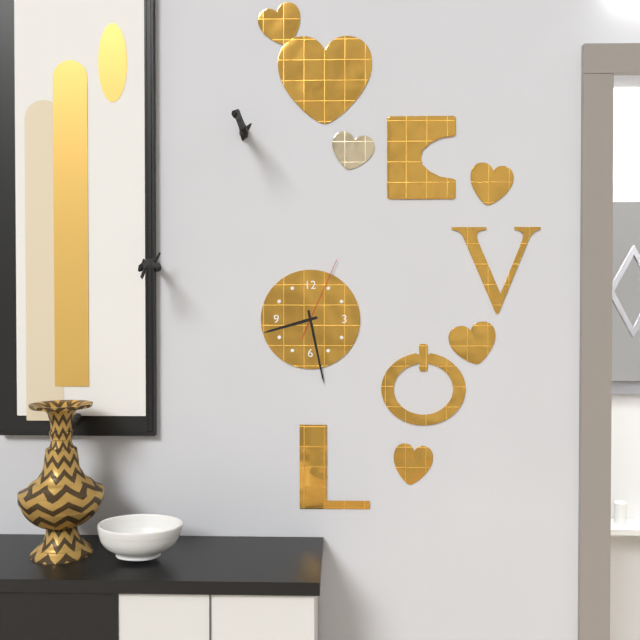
8:28:04
